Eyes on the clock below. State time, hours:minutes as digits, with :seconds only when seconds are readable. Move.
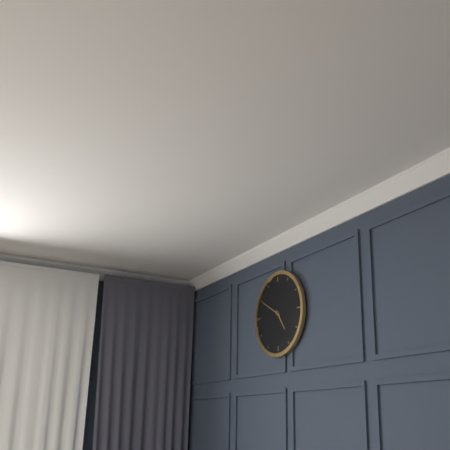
4:50
